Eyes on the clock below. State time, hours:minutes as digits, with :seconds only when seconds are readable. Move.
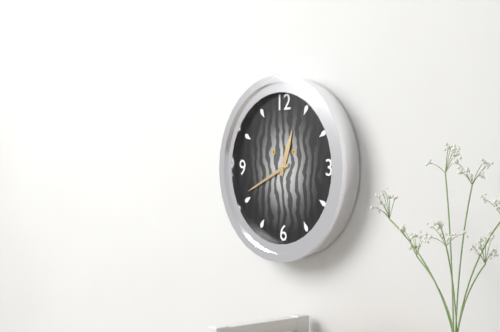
12:41
